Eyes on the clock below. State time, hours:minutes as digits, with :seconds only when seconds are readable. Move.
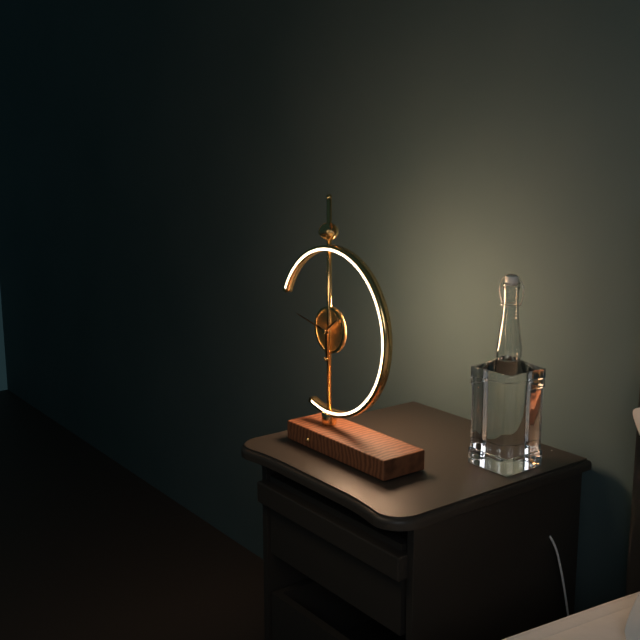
1:47
